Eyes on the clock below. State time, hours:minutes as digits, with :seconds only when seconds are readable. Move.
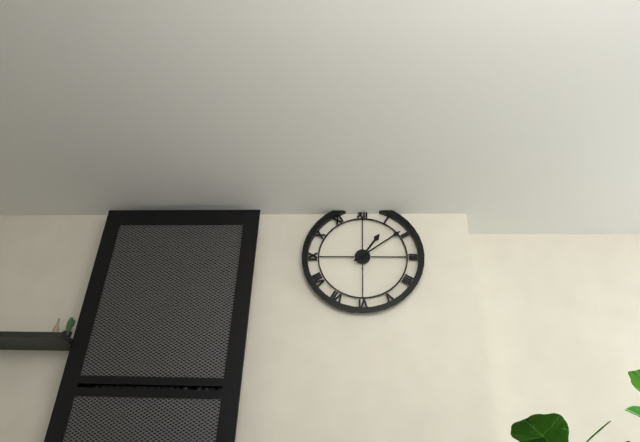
1:09
